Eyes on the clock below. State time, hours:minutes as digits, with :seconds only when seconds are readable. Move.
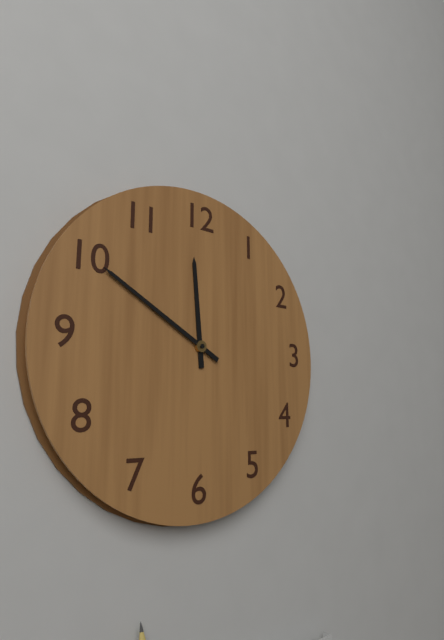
11:50
